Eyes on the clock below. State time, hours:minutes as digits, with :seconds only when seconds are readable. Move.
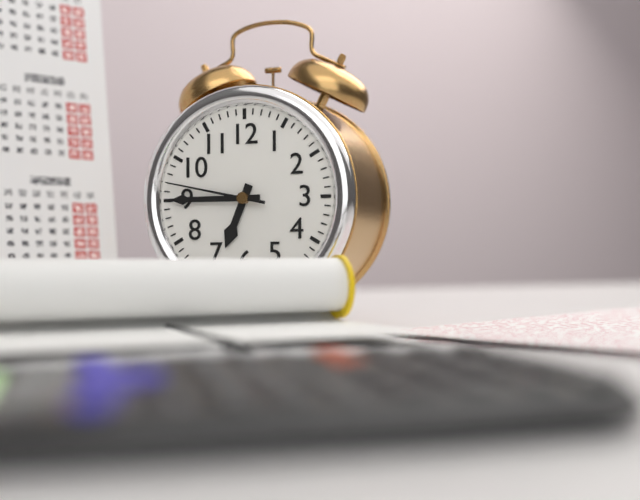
6:45:47
